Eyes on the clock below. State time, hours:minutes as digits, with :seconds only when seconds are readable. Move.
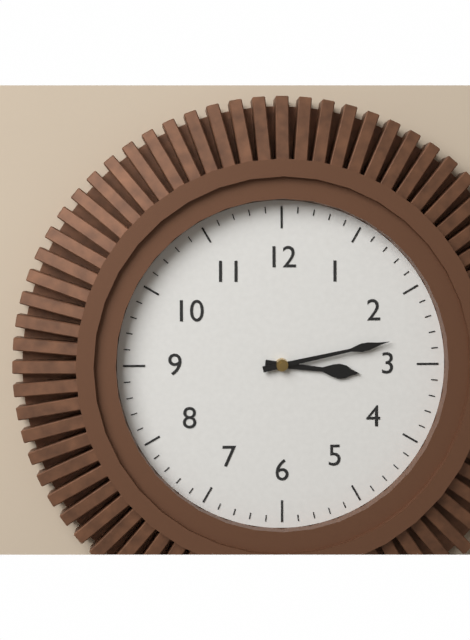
3:13
